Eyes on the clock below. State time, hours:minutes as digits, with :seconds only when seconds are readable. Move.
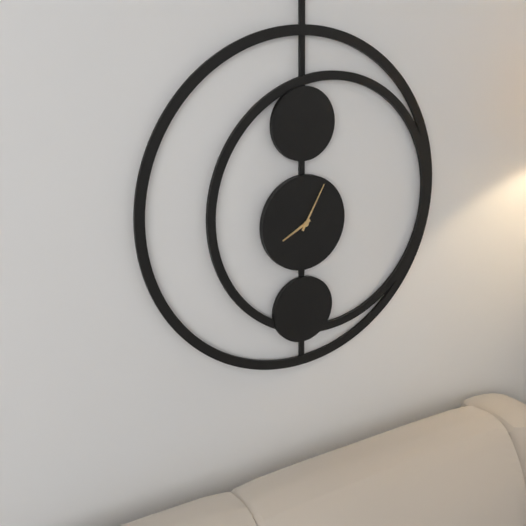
8:05
